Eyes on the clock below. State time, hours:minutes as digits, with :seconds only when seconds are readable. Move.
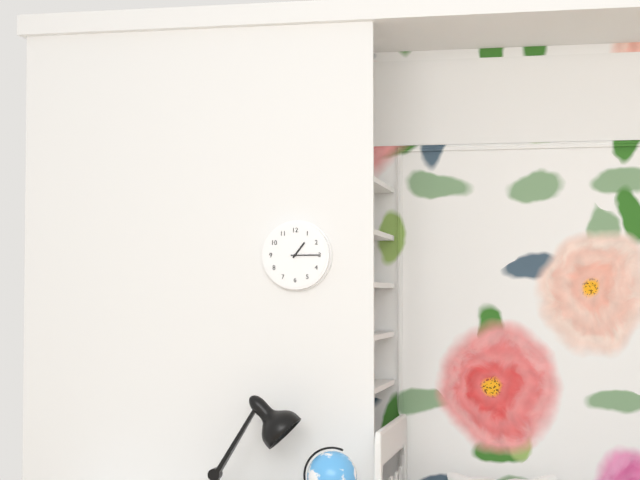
1:15
